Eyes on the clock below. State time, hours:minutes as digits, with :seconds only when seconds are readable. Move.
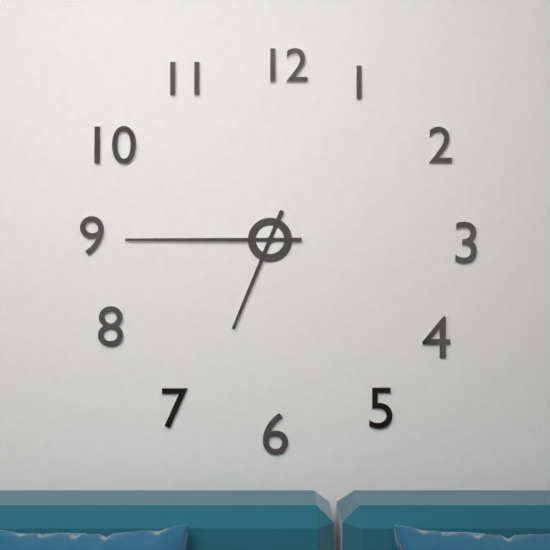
6:45
